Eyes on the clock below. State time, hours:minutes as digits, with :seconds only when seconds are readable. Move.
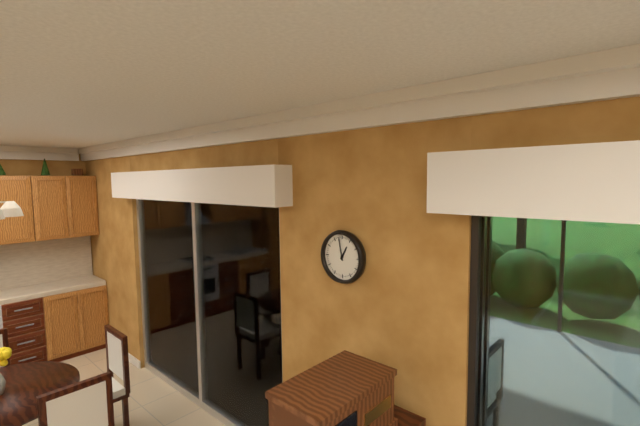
12:58
